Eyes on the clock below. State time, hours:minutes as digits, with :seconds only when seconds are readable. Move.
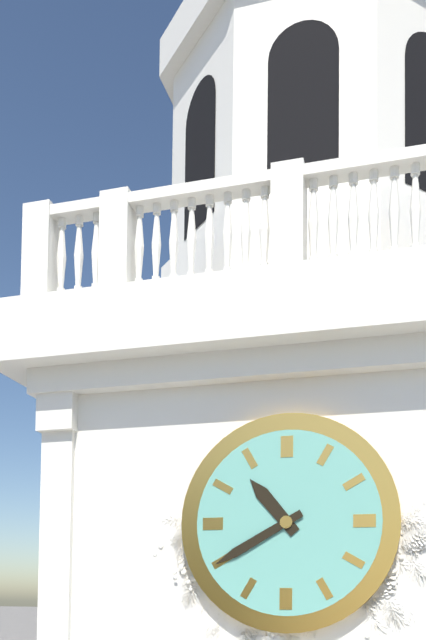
10:40
